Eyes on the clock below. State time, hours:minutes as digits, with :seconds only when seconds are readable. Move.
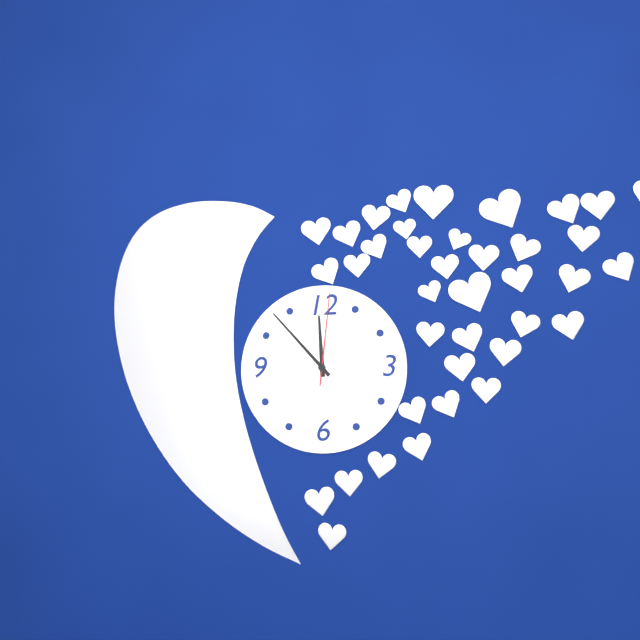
11:53:01
